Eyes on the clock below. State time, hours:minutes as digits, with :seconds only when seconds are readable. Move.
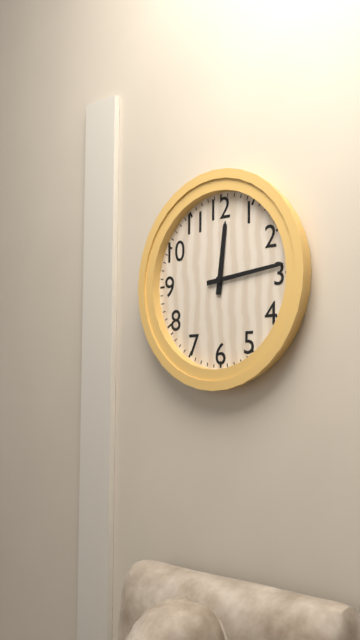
12:14
